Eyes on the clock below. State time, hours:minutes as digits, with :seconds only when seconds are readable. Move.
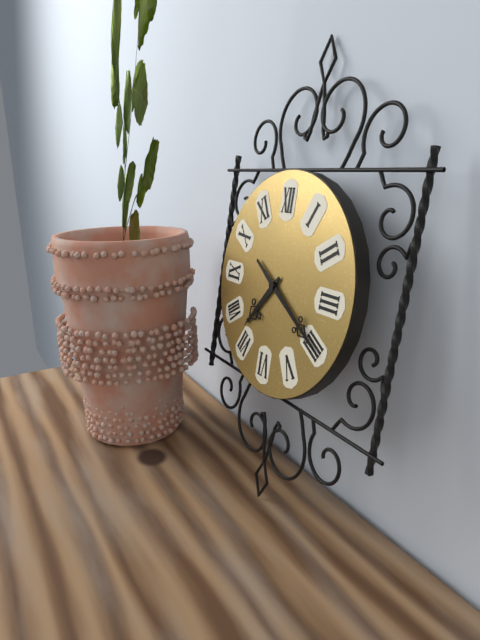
7:20
